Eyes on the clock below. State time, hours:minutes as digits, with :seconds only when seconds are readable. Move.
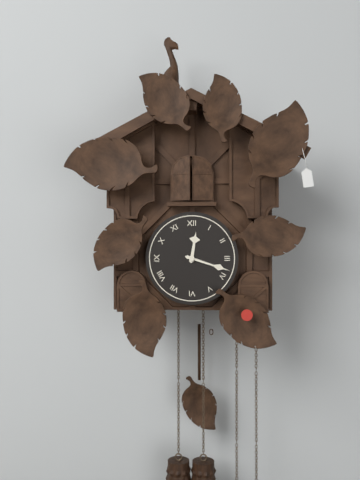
12:18
